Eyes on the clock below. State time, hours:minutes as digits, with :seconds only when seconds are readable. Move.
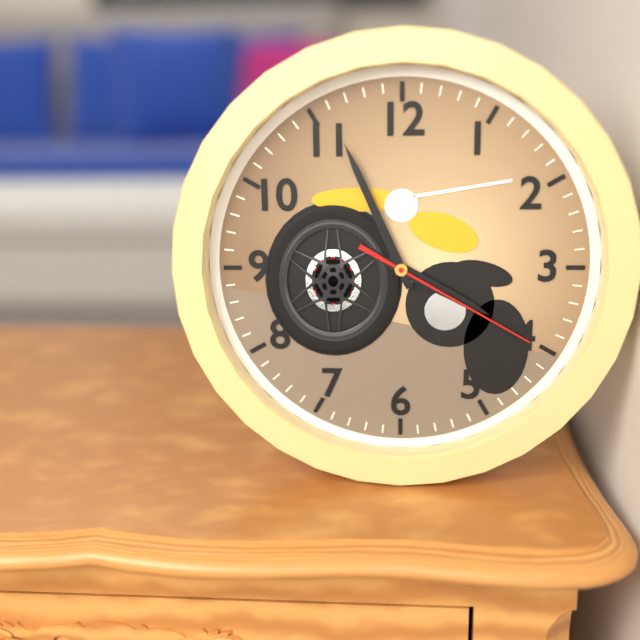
3:56:20
